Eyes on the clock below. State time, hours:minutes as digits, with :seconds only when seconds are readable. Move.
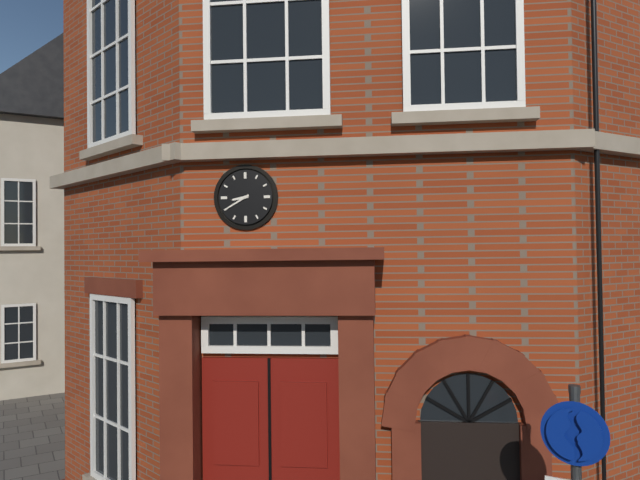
8:40
